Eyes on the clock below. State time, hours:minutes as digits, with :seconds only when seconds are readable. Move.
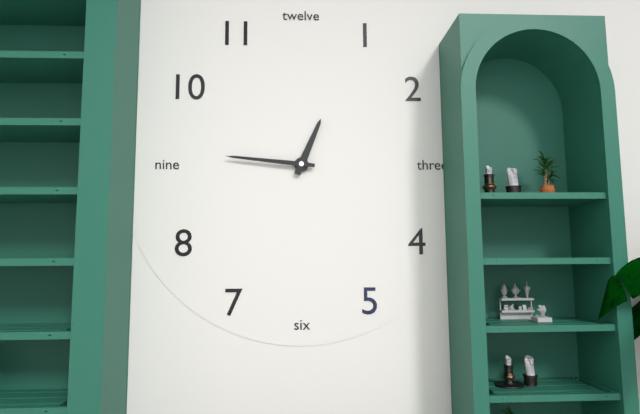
12:46
